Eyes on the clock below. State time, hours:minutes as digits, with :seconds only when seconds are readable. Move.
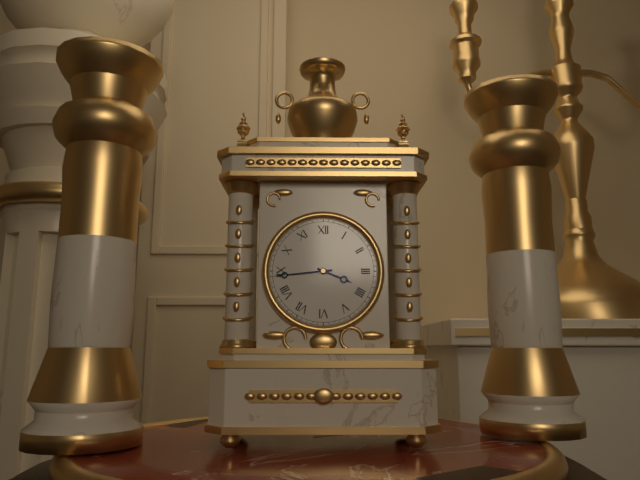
3:44
